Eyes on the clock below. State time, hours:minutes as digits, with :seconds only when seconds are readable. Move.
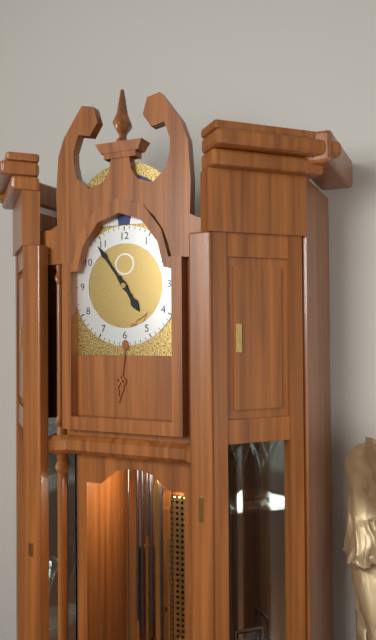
4:54
